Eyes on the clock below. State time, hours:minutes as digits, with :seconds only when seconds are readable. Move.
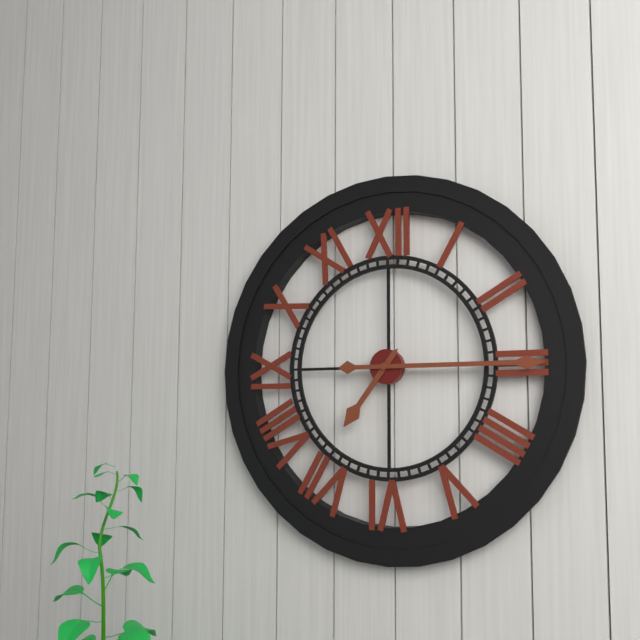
7:15
